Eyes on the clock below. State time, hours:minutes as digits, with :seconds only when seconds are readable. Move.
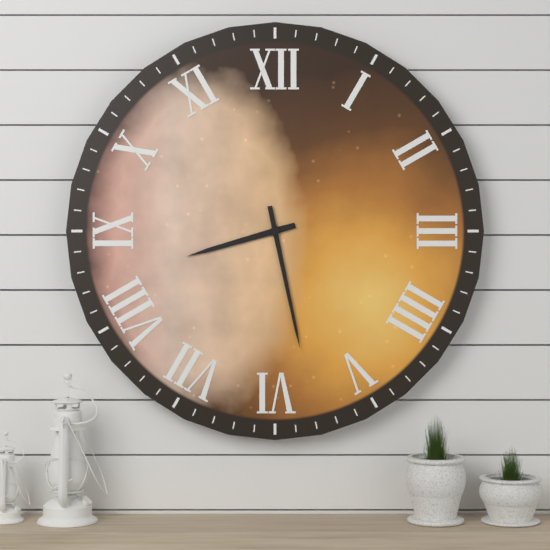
8:28
